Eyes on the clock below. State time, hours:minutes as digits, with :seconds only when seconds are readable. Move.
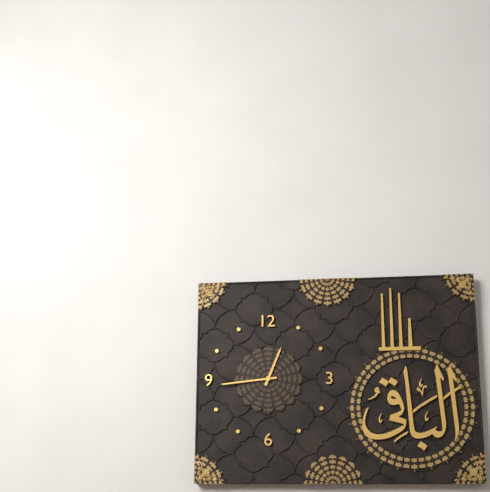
12:44
